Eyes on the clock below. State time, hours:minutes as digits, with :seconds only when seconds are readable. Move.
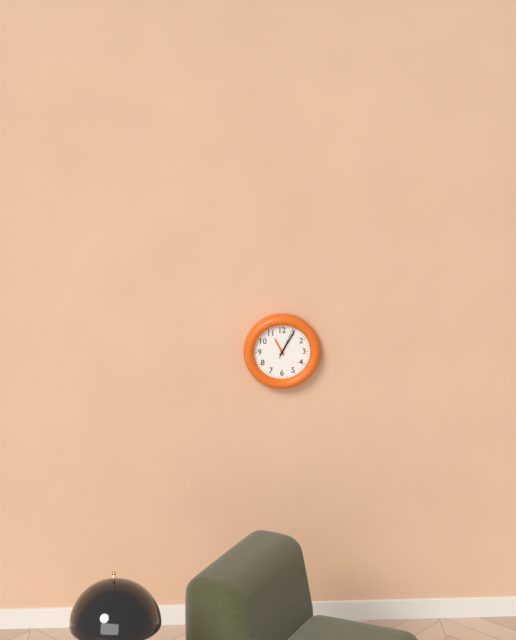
11:05
